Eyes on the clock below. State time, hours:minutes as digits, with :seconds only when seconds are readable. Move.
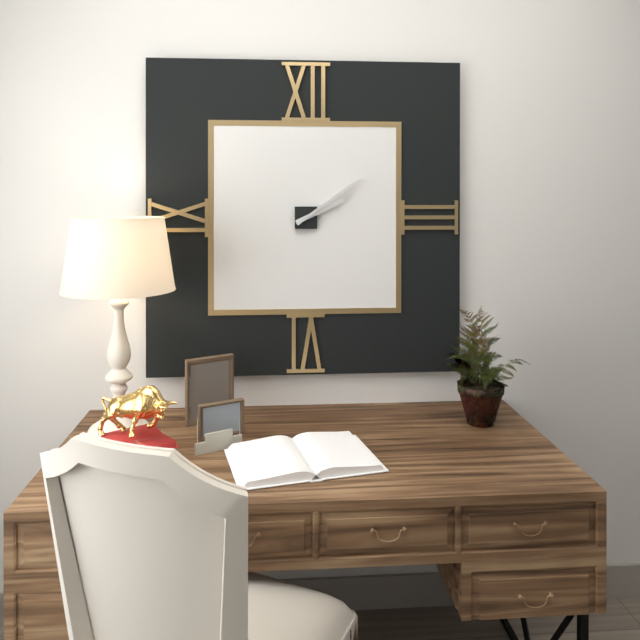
2:09
